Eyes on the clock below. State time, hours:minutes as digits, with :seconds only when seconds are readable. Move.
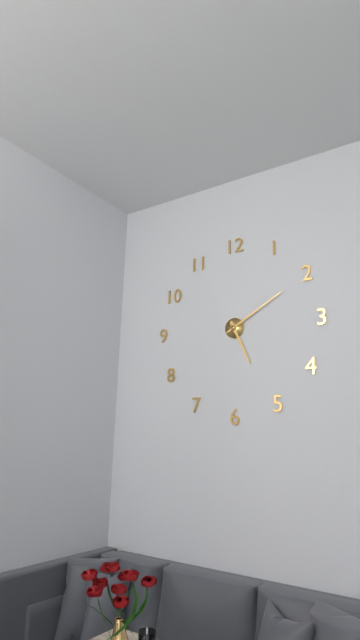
5:10
